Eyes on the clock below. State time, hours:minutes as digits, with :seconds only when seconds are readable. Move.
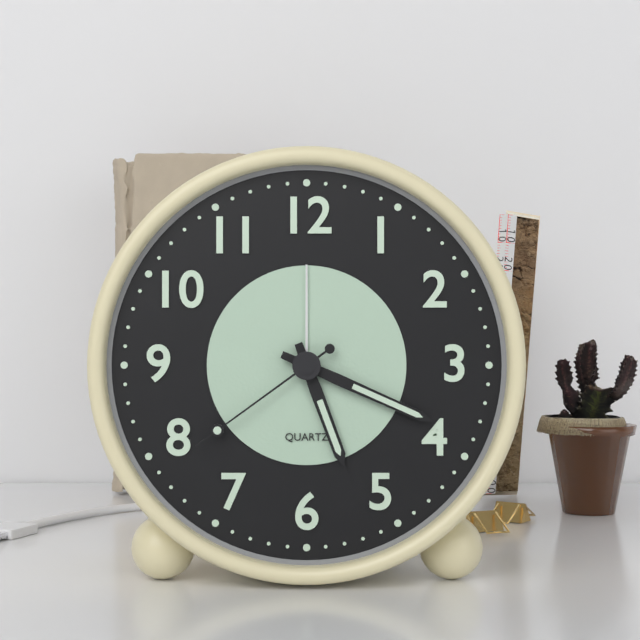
5:19:39
